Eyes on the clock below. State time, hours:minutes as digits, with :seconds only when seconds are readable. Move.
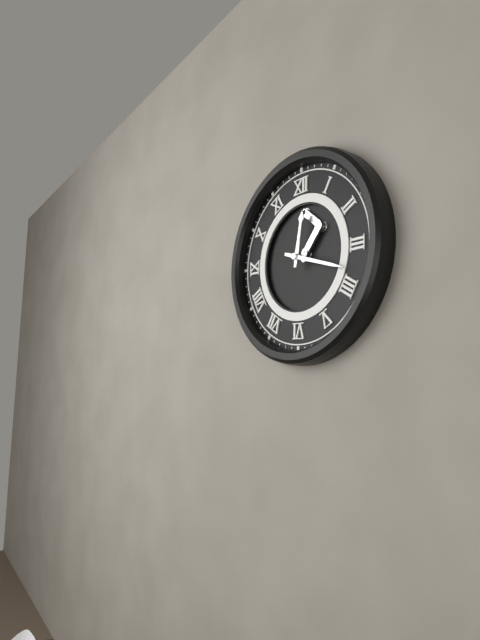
12:18
